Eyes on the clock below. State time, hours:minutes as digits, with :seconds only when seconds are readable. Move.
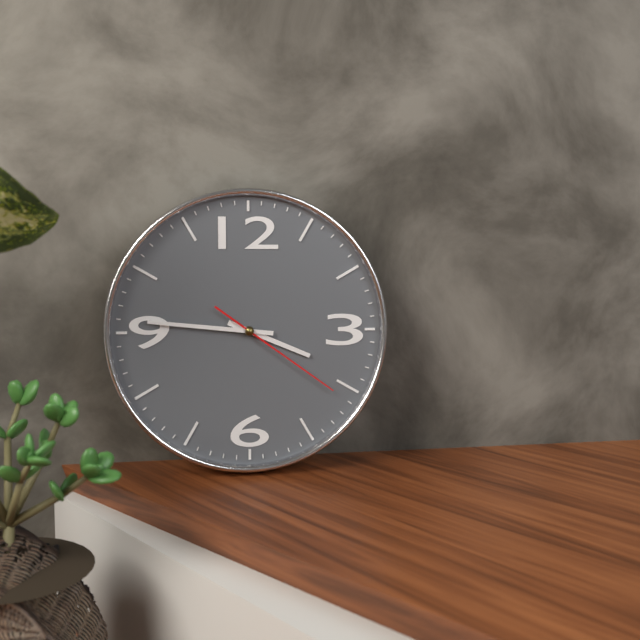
3:46:21
